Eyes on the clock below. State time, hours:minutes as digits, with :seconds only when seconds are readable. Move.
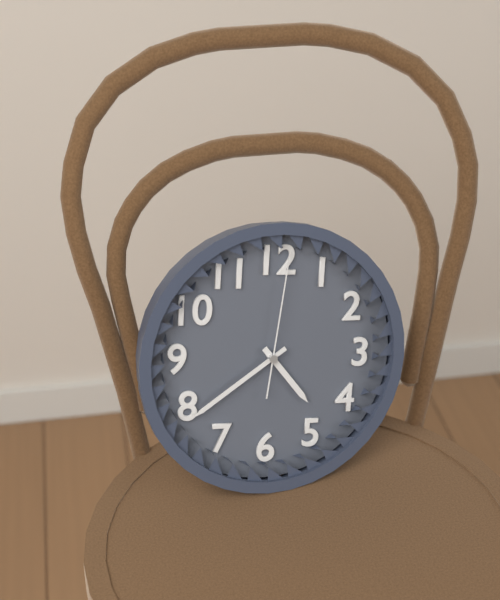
4:39:01
